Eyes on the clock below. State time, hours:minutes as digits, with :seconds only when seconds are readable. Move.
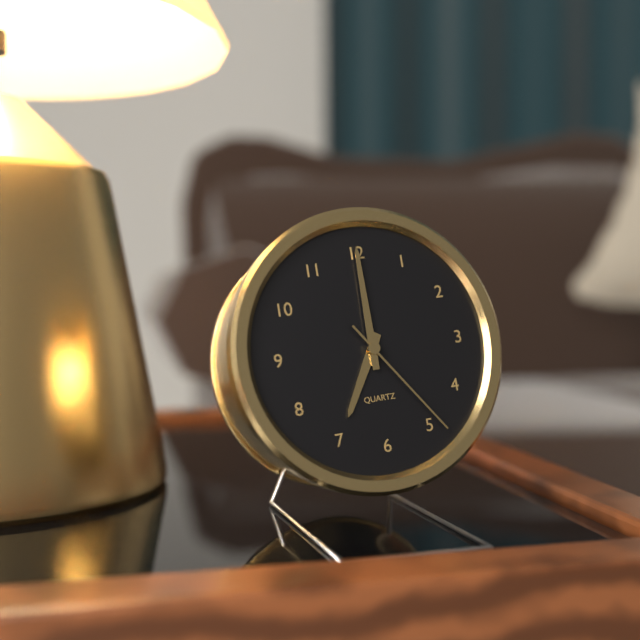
7:00:24
